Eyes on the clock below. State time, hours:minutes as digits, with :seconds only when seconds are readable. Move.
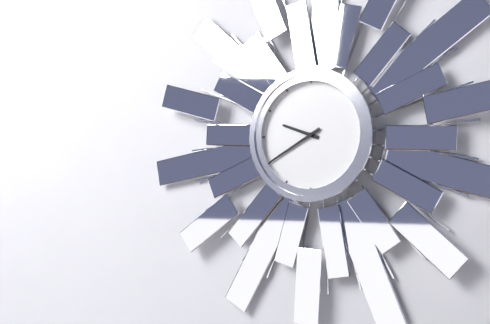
9:40
